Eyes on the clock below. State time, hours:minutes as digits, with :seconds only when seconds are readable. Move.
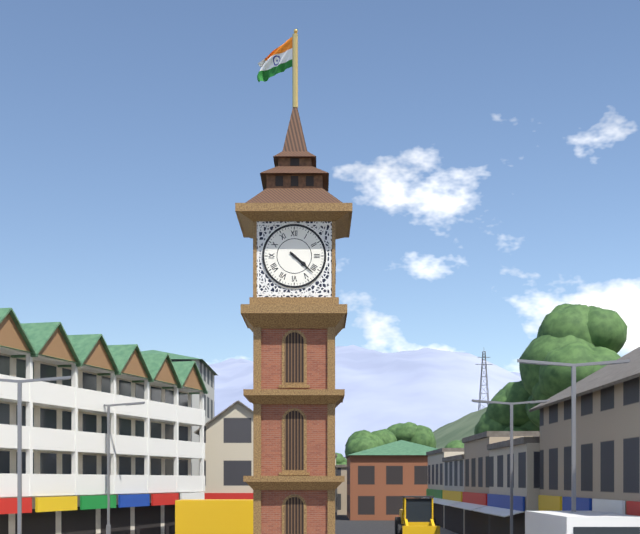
4:22
